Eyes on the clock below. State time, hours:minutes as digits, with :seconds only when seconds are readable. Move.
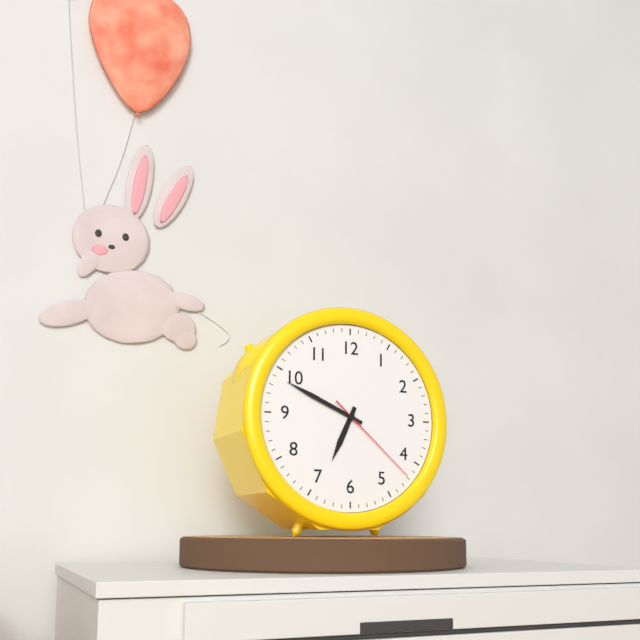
6:49:22
